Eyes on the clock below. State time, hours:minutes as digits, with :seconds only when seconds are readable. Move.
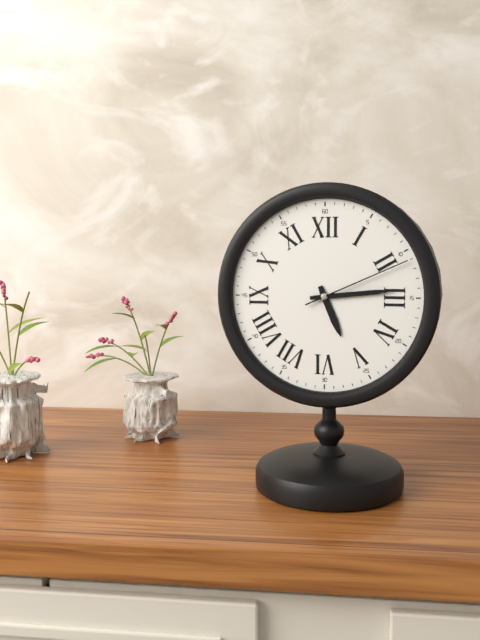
5:14:11
